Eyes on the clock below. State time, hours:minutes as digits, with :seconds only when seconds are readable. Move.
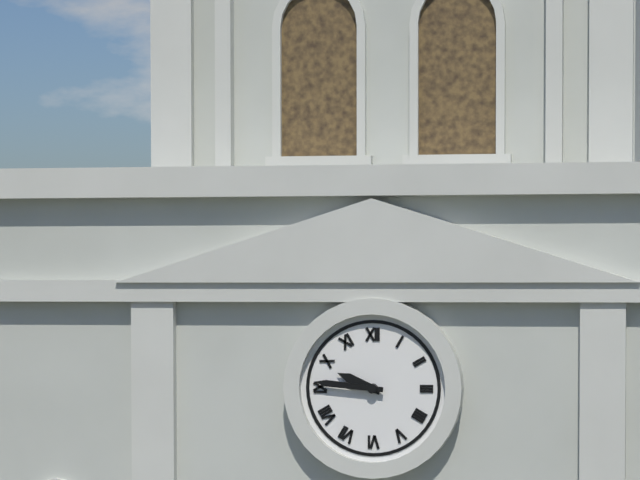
9:46
